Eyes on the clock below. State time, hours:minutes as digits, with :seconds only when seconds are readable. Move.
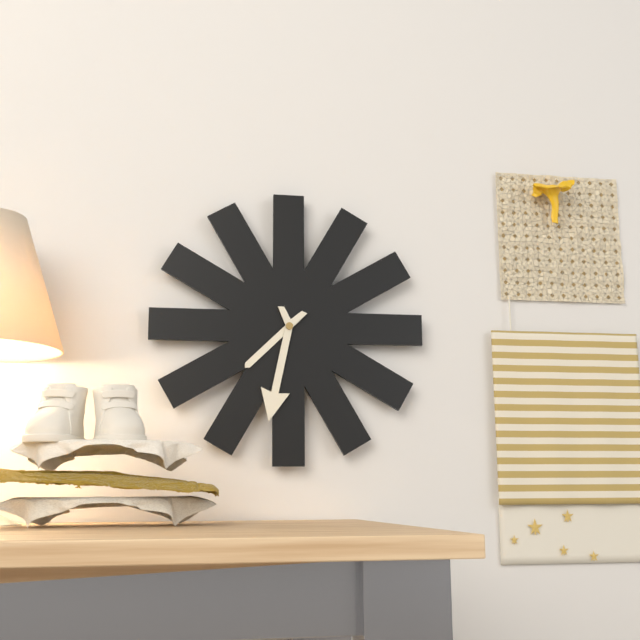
7:32
